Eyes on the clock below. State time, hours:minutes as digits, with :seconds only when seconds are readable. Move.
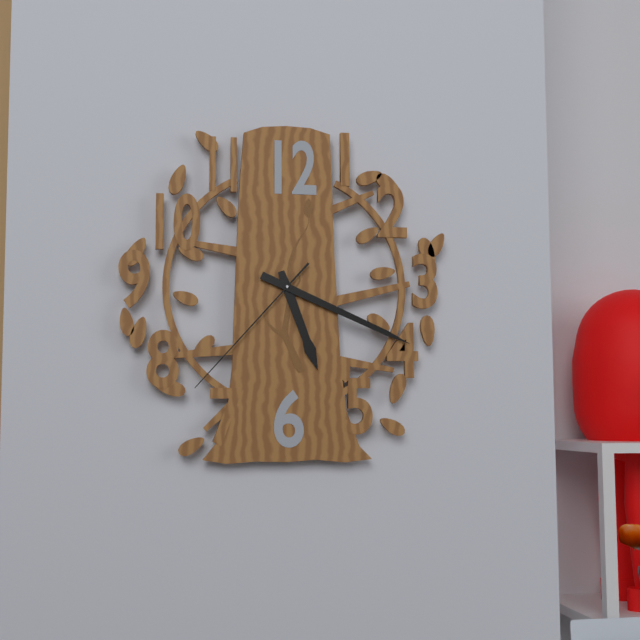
5:19:37
